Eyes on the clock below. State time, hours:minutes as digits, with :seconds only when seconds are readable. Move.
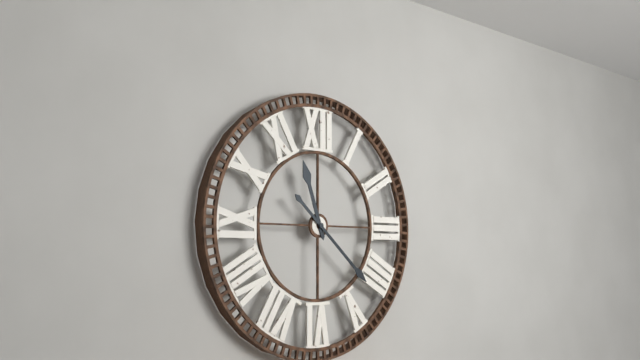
11:22
